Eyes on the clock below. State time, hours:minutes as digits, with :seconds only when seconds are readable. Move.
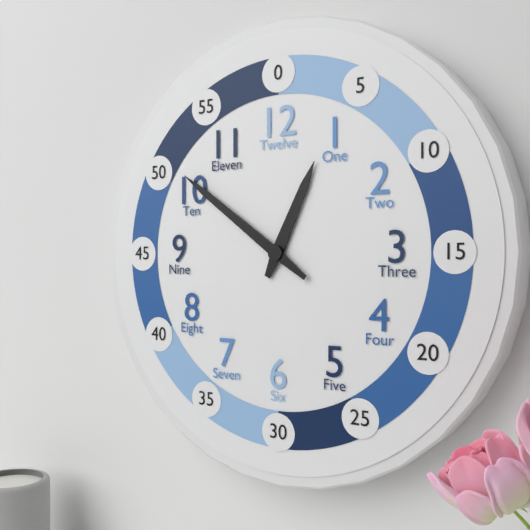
12:51
